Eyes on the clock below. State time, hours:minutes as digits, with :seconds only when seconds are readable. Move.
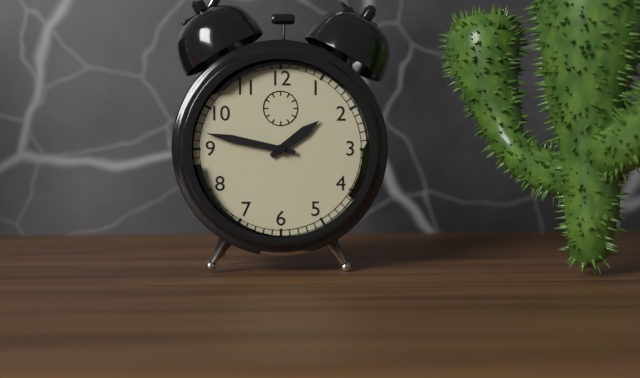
1:47
